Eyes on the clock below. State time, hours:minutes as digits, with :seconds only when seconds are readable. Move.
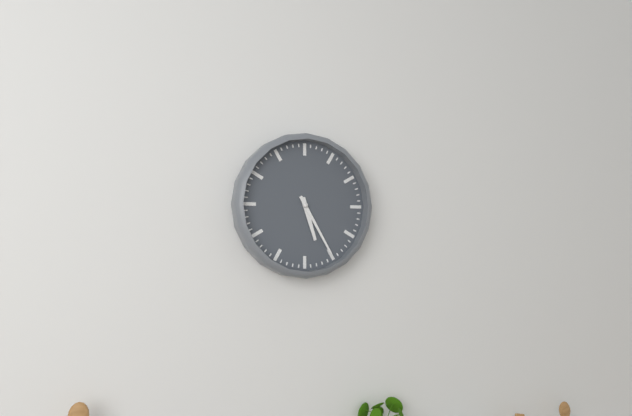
5:25
